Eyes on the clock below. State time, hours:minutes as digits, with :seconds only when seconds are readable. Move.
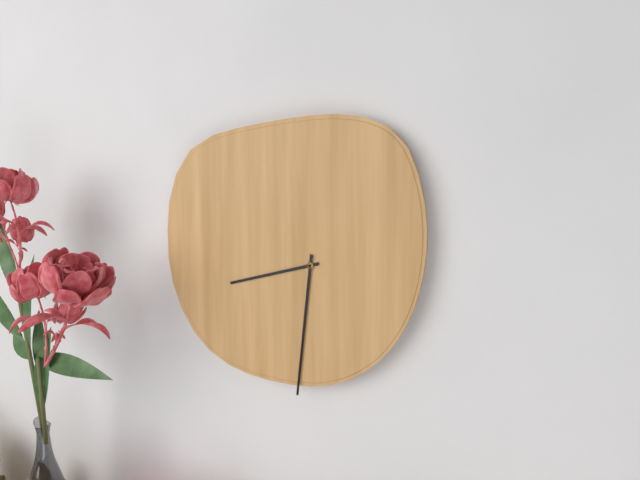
8:31
